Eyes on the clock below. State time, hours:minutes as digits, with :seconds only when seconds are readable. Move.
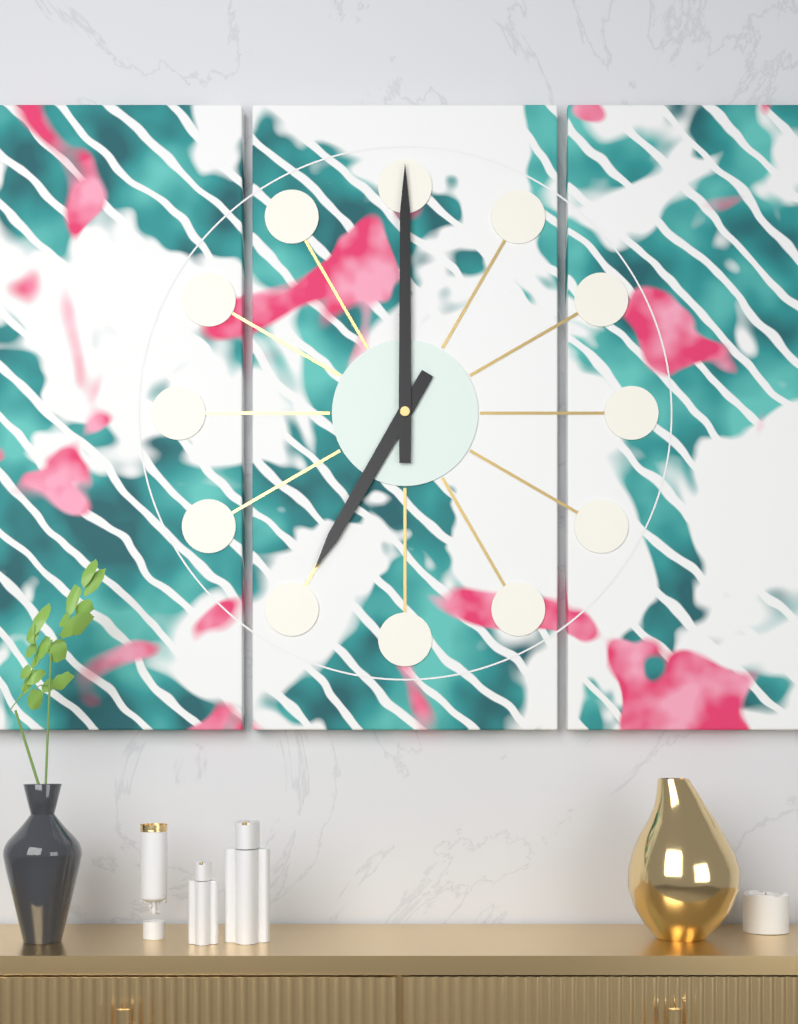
7:00
